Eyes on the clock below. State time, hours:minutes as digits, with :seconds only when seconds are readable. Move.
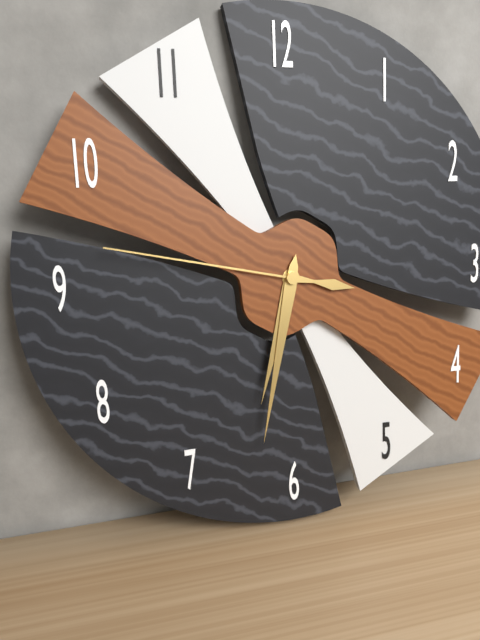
6:32:47
